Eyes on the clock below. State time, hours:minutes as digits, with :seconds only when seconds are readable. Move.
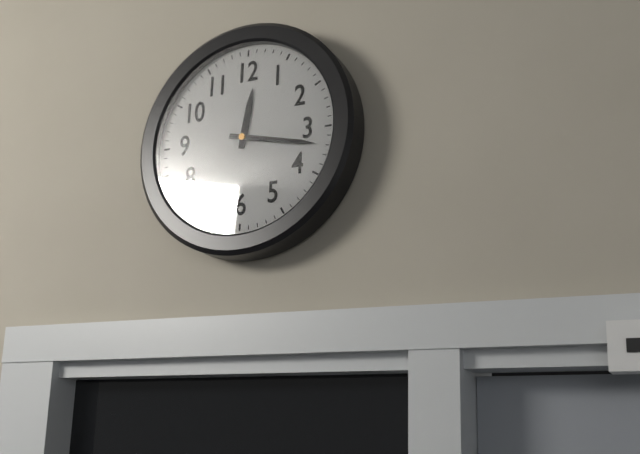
12:17
